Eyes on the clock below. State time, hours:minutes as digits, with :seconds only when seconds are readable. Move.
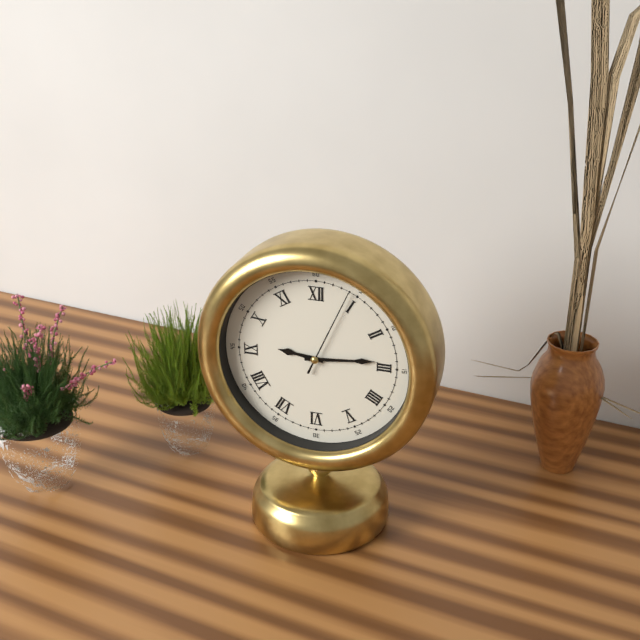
9:14:04
